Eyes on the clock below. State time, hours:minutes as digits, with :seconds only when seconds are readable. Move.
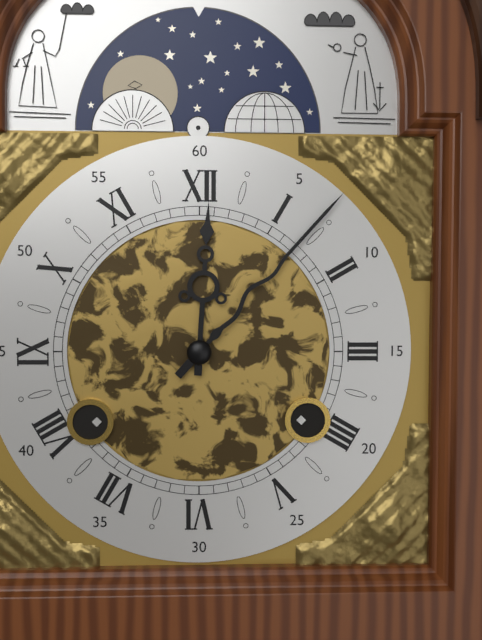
12:07
